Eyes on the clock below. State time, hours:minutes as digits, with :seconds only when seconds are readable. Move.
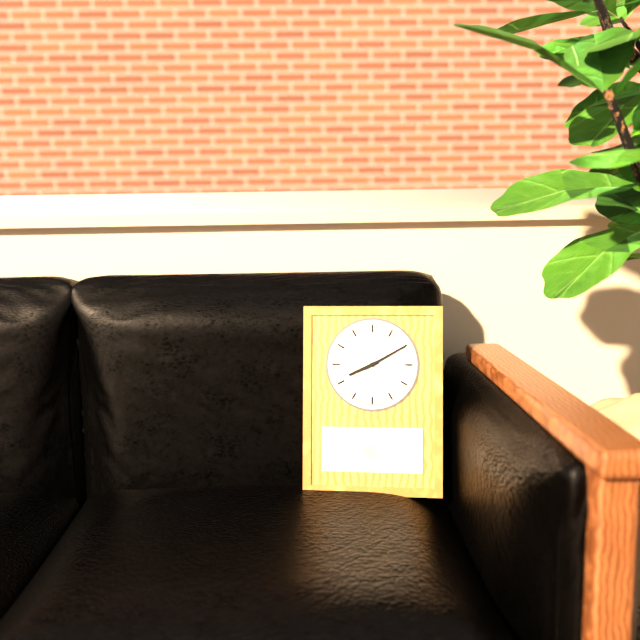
8:10
